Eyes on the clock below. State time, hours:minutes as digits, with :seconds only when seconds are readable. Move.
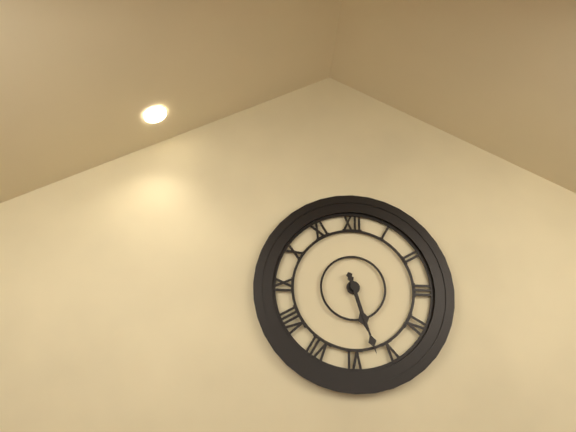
5:27
